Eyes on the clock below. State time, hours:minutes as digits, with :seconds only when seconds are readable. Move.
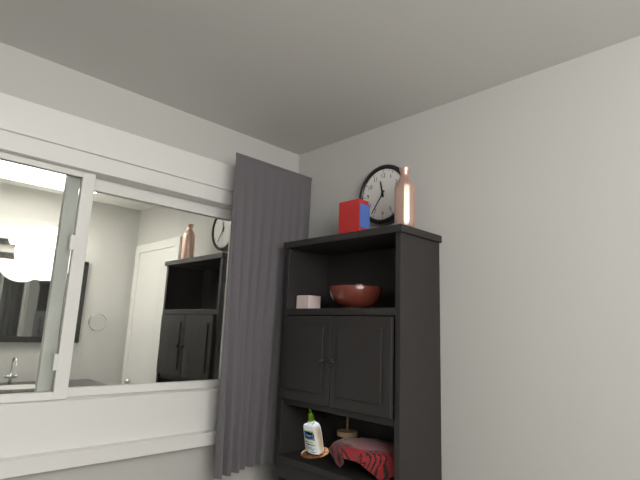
11:36
